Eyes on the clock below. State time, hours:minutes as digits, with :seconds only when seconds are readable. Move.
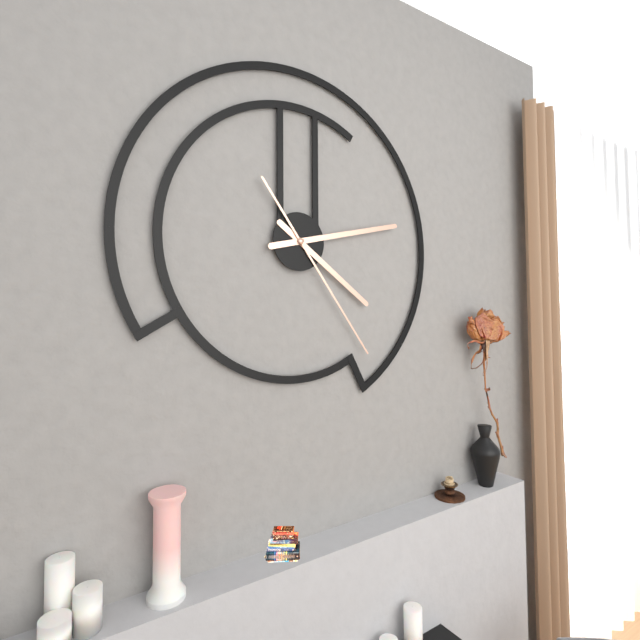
4:13:24
